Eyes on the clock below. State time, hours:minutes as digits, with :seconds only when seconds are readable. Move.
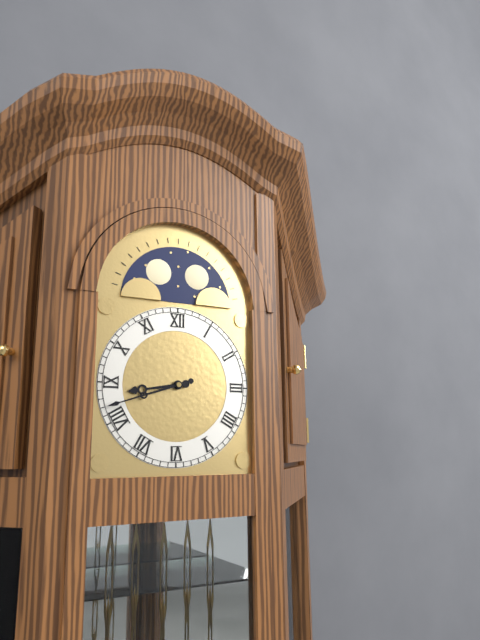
8:42
